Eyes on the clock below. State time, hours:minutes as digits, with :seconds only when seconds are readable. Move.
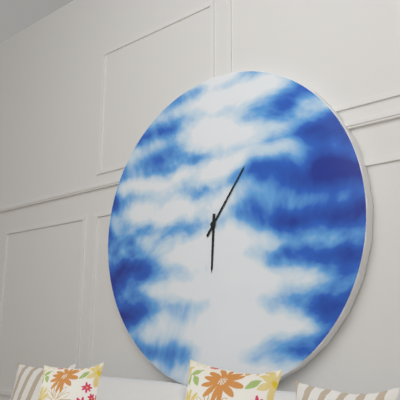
6:06
